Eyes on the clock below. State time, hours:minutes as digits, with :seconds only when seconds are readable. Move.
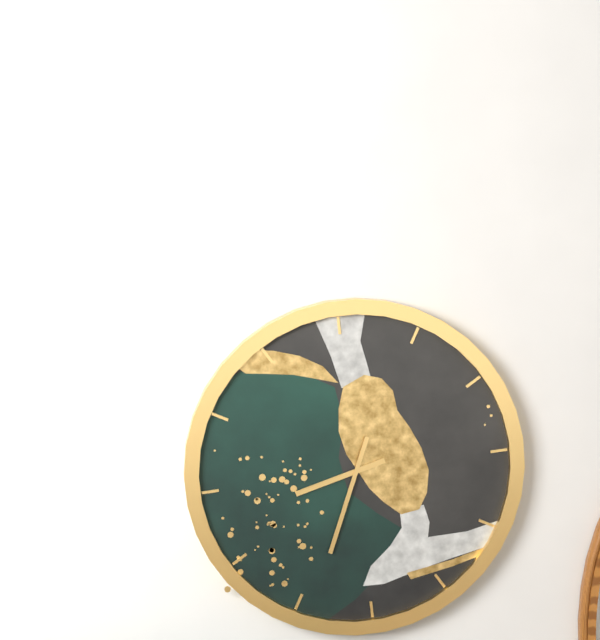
8:34
